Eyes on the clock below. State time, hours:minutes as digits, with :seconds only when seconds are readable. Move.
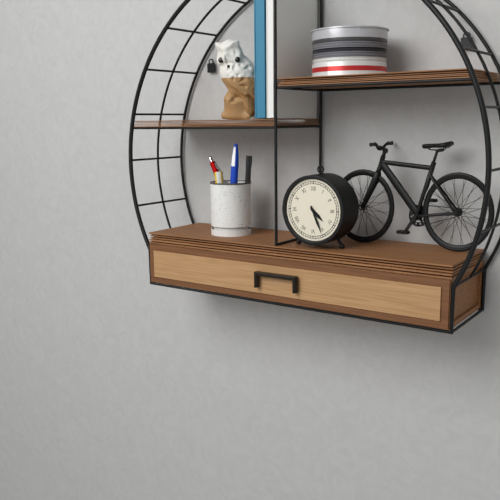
4:26
